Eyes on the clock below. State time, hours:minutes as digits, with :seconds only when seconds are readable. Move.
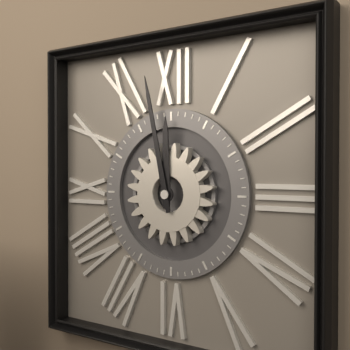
11:58
